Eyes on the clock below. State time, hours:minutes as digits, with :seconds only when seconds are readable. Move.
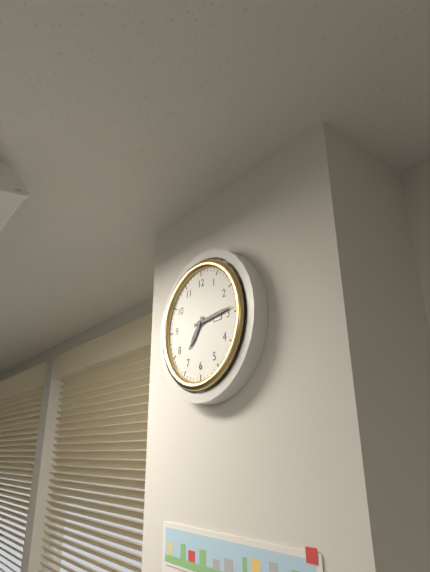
7:14
